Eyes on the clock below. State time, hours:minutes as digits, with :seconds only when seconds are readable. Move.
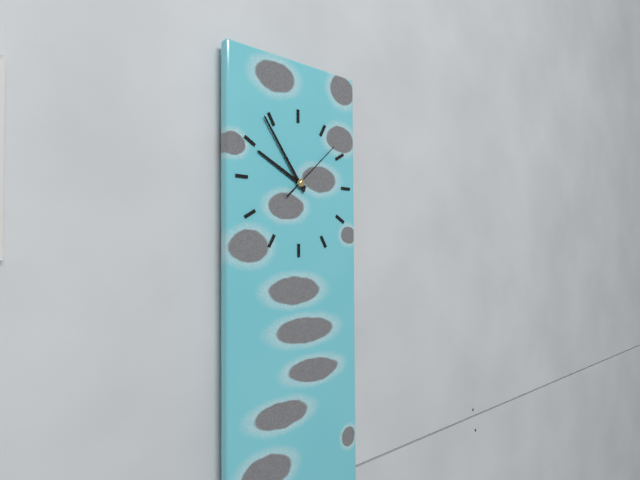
9:54:08
